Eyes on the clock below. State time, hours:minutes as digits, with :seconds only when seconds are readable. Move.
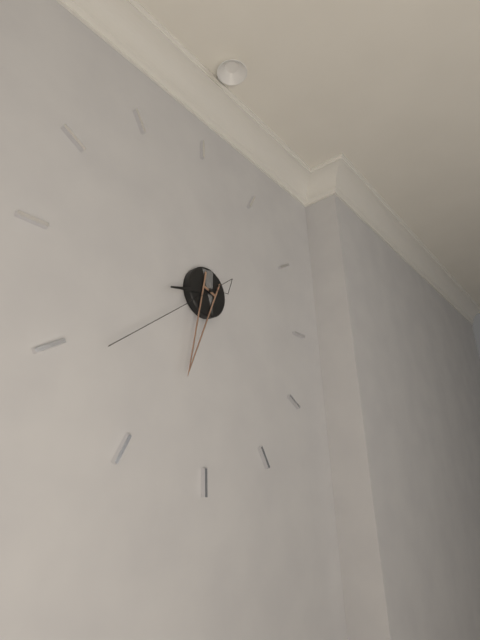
8:33:39
